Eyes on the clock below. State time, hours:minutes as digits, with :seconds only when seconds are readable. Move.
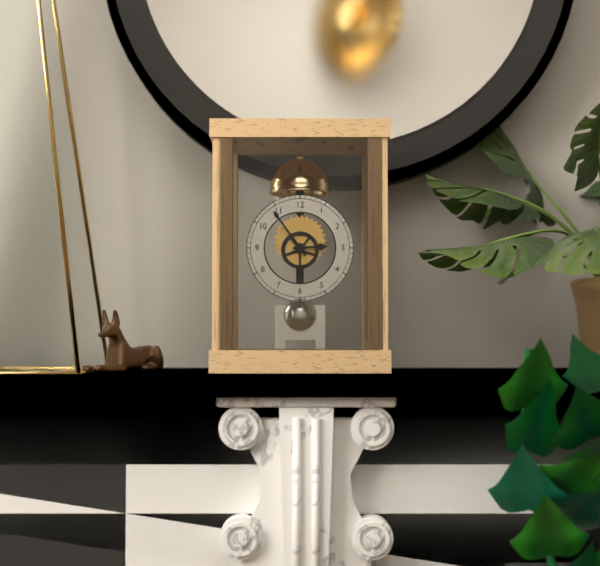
2:54
